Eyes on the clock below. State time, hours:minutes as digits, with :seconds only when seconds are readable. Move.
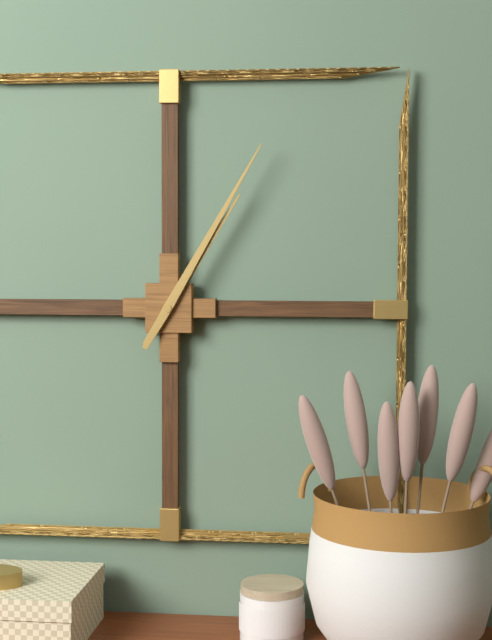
1:05
